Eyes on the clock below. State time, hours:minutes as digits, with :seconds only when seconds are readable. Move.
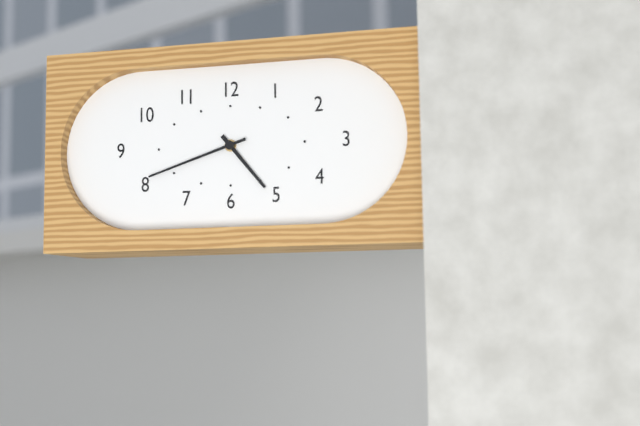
4:42
